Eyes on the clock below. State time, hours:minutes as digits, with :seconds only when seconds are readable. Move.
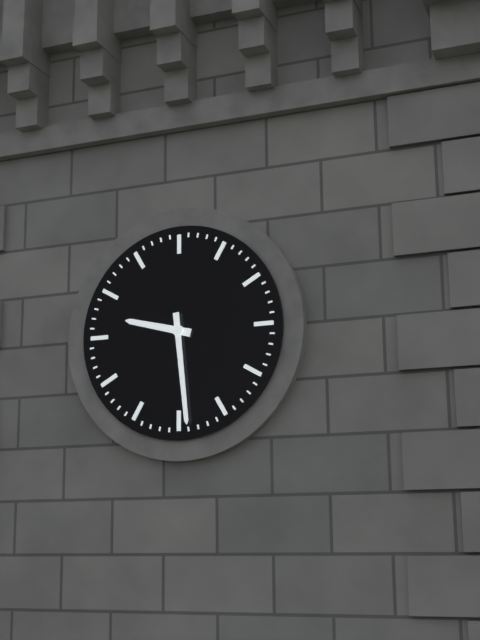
9:29
